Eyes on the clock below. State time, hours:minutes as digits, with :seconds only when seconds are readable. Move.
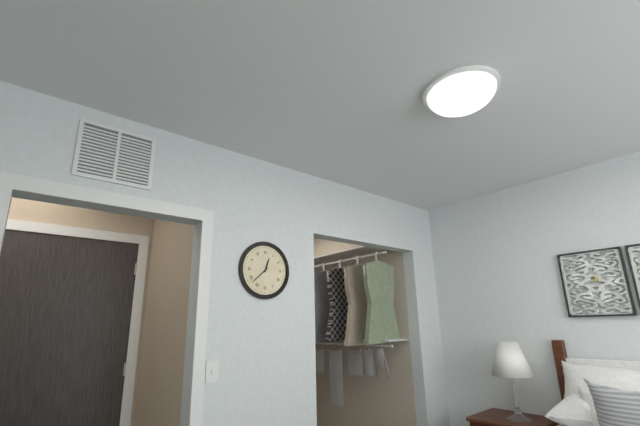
12:38
